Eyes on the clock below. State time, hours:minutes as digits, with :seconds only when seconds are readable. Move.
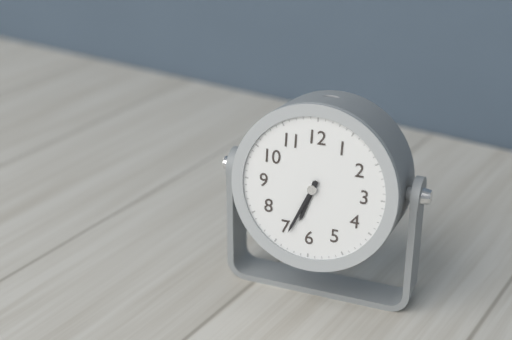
6:34
